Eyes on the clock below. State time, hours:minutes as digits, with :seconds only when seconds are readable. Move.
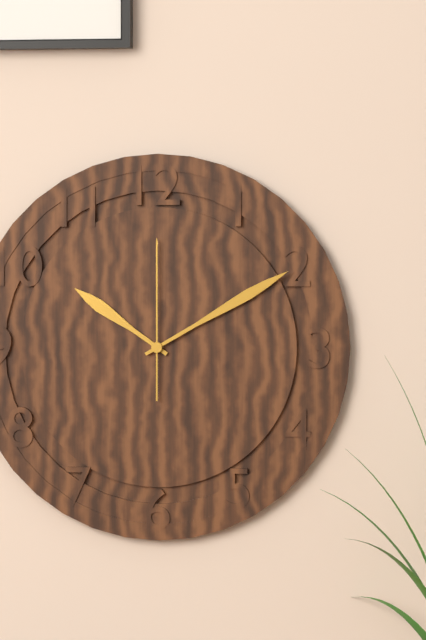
10:10:00
